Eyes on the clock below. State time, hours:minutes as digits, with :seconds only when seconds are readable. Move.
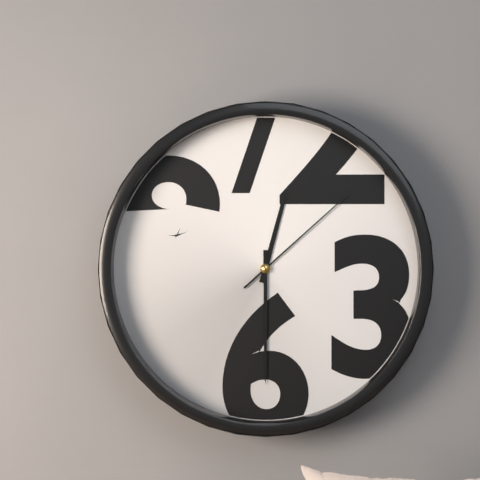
12:30:08
